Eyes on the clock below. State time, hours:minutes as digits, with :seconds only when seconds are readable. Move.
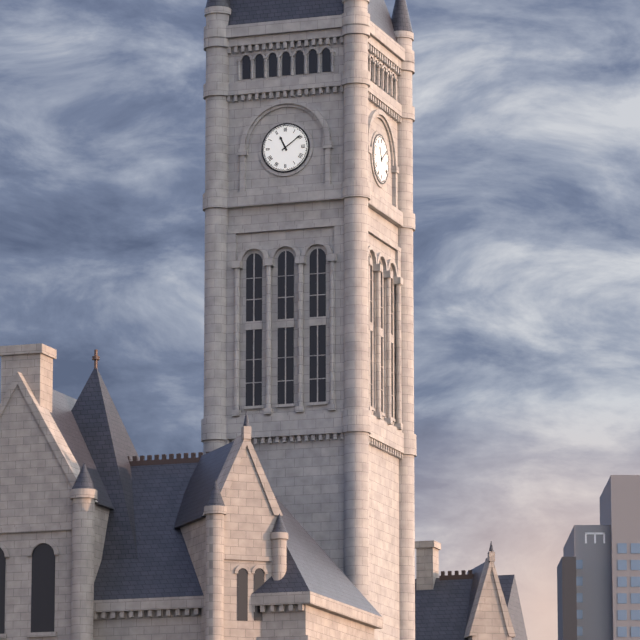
11:09
